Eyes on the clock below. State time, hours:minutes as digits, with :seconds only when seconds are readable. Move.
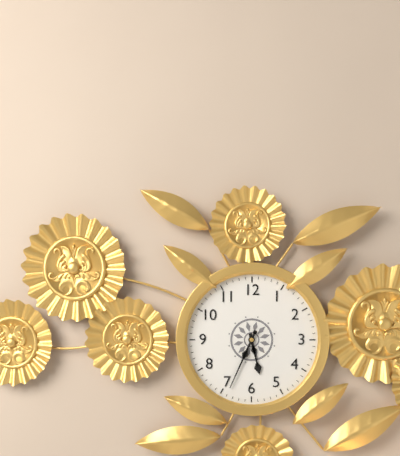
5:34
